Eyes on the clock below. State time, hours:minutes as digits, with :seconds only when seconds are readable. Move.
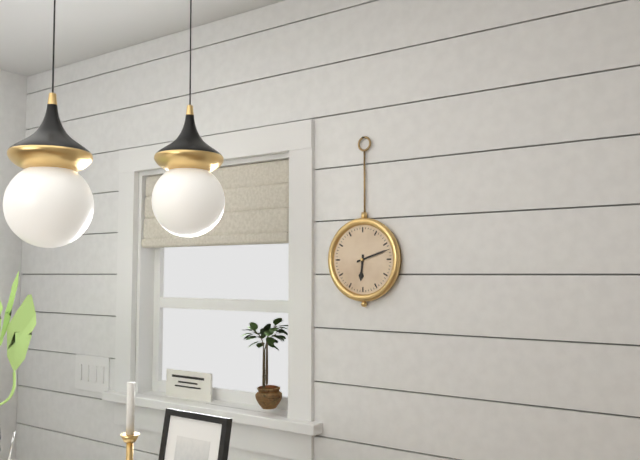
6:12
